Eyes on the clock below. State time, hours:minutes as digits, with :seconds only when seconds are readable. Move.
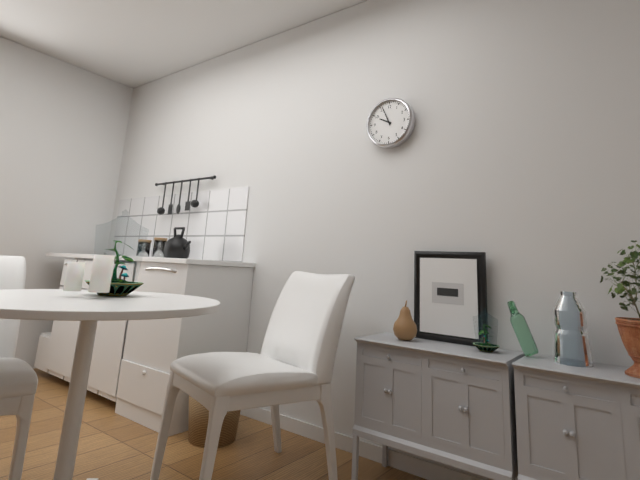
9:56
